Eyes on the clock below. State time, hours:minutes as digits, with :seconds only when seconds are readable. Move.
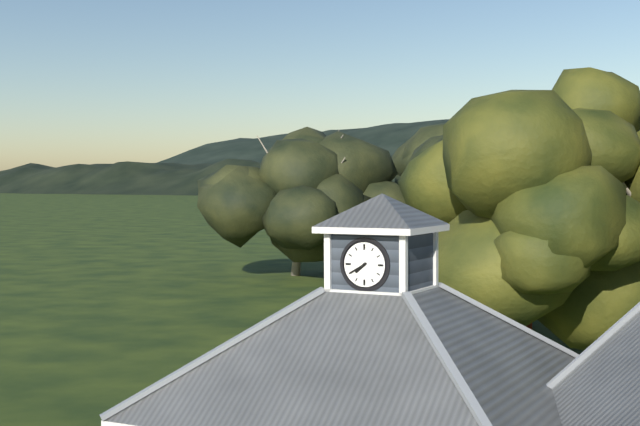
7:40
